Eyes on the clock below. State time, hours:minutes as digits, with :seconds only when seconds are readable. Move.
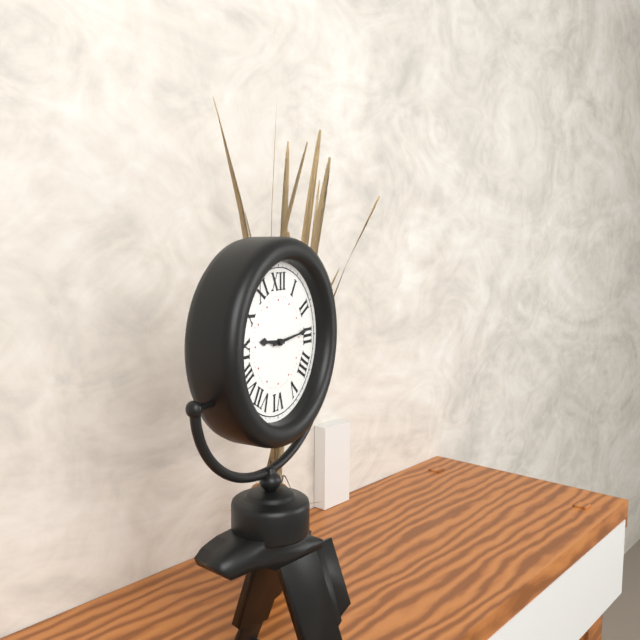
9:14
